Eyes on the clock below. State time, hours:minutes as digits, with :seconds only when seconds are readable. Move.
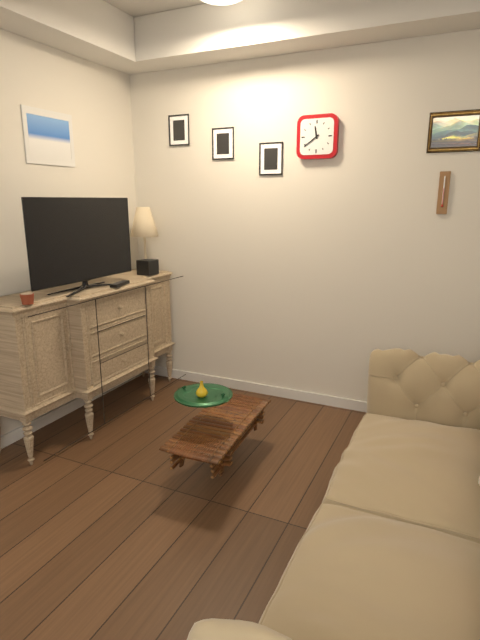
11:39
